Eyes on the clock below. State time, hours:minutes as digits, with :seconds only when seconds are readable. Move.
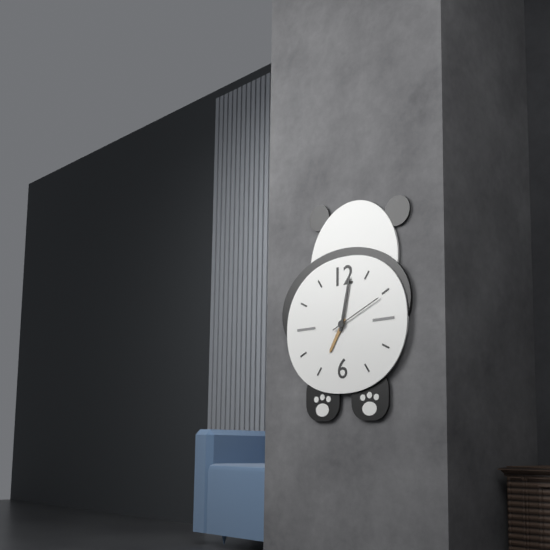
7:02:11
